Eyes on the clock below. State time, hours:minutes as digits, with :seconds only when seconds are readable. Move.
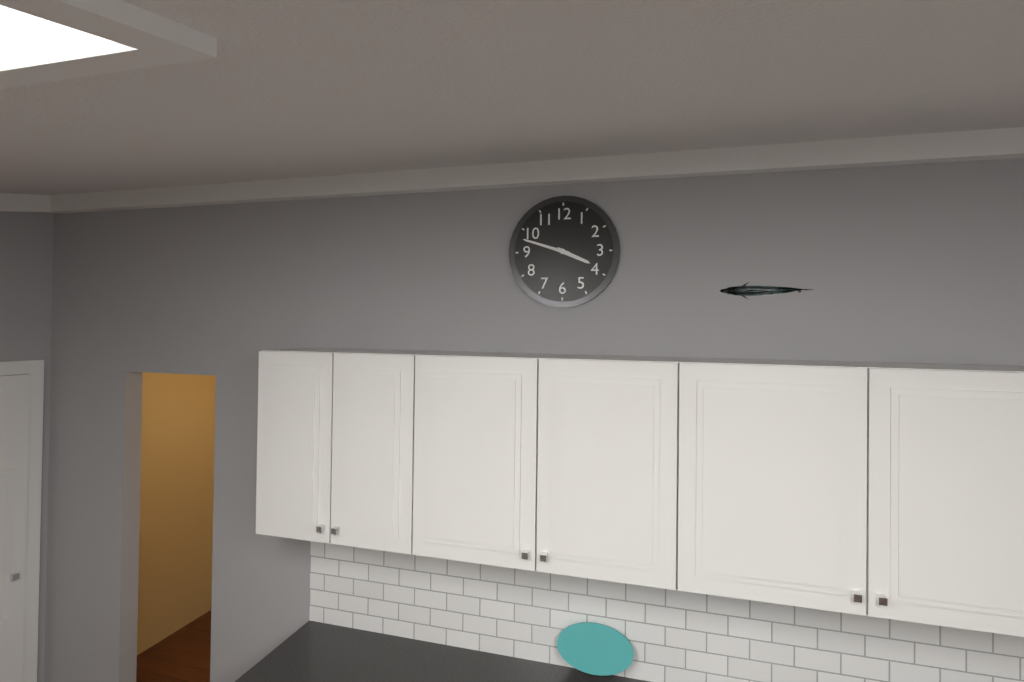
3:48
